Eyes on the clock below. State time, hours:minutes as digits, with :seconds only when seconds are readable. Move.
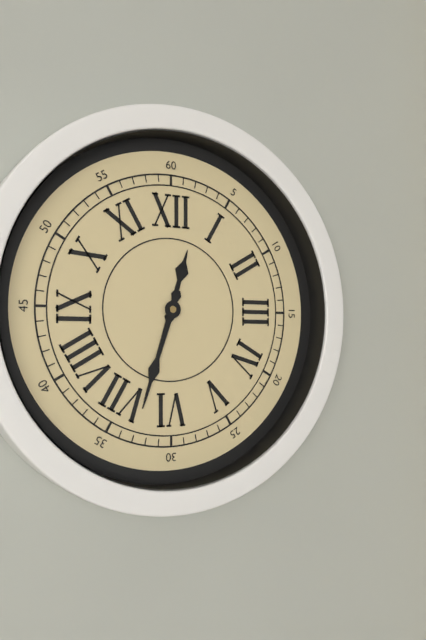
12:33
